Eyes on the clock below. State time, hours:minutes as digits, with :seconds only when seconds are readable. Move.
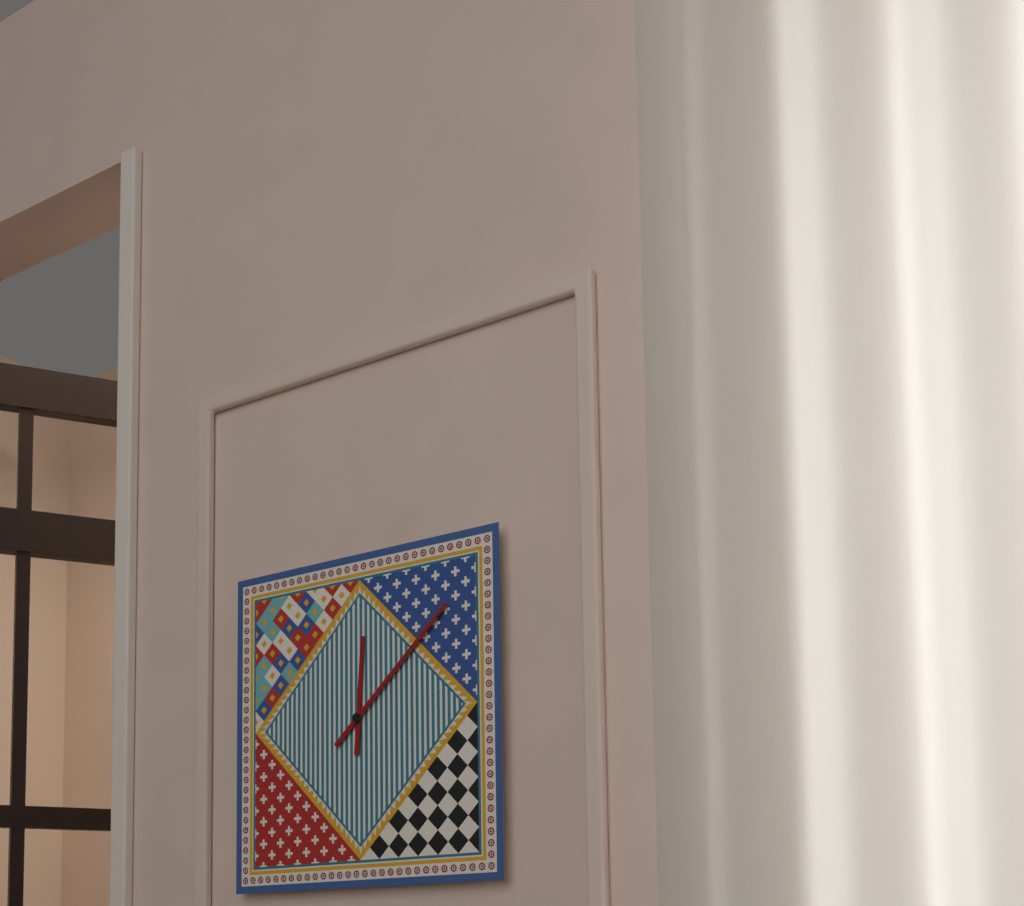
12:08
